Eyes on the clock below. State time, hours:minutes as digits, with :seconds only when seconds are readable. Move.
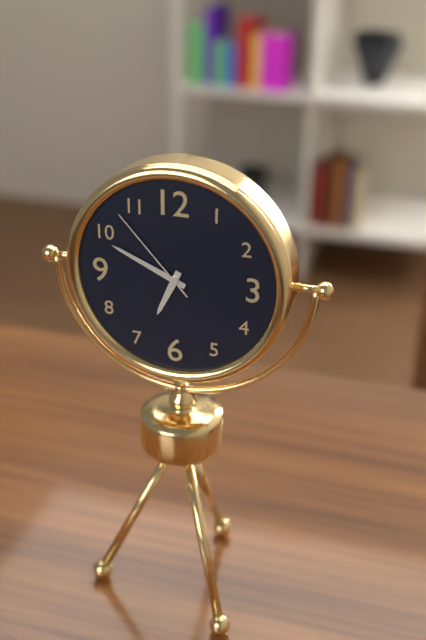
6:49:53
